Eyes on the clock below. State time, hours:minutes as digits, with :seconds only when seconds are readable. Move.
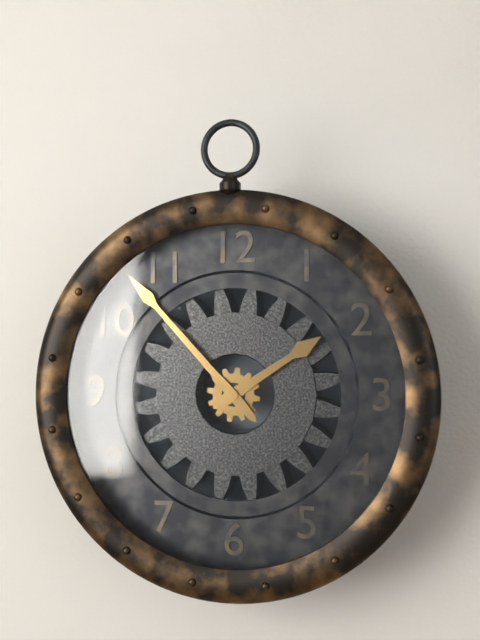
1:53
